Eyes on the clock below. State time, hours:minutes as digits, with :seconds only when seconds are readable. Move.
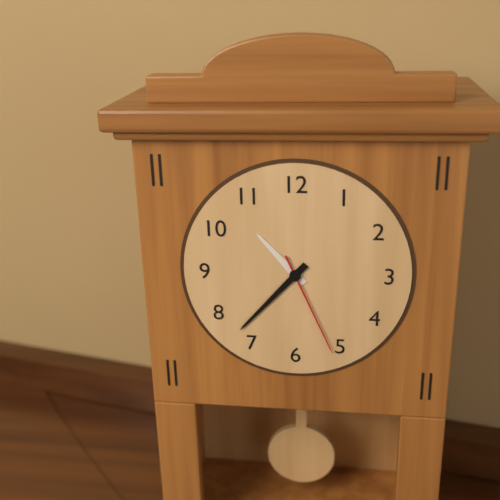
10:37:26
